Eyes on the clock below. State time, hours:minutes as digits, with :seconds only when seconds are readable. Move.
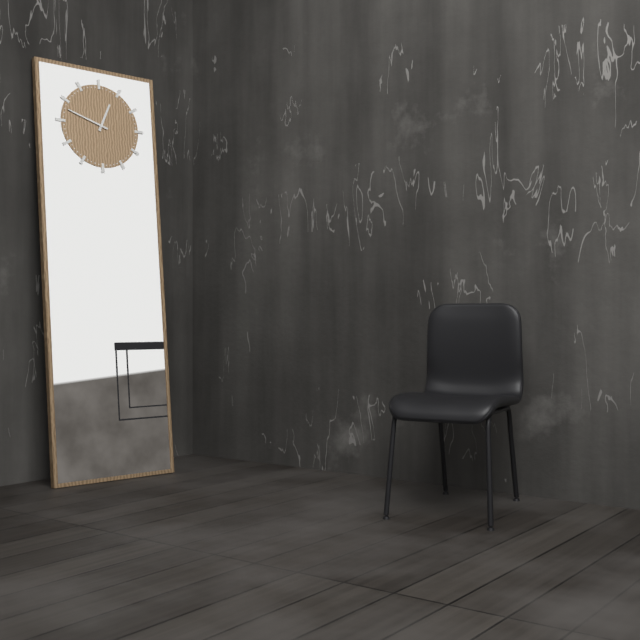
12:48
